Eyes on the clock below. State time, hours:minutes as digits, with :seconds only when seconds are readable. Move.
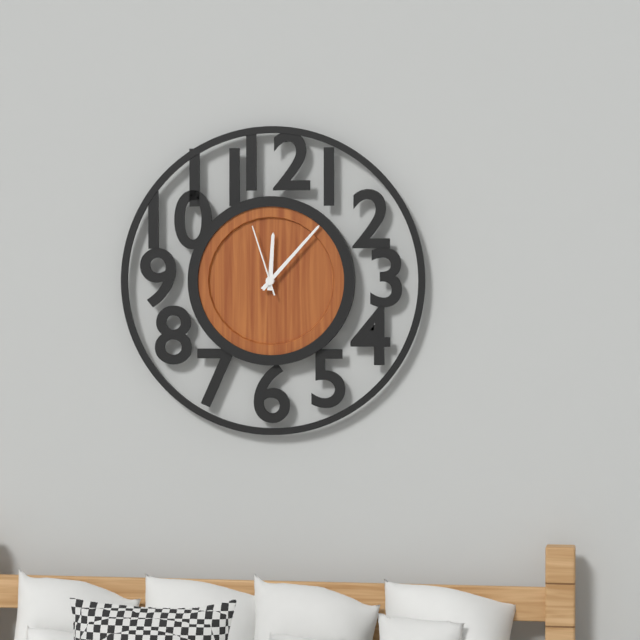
12:07:57
